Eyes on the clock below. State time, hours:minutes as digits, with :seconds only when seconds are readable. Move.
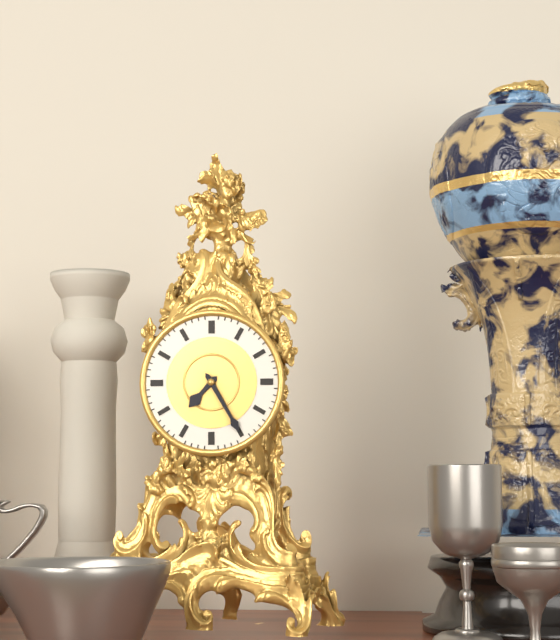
7:25
